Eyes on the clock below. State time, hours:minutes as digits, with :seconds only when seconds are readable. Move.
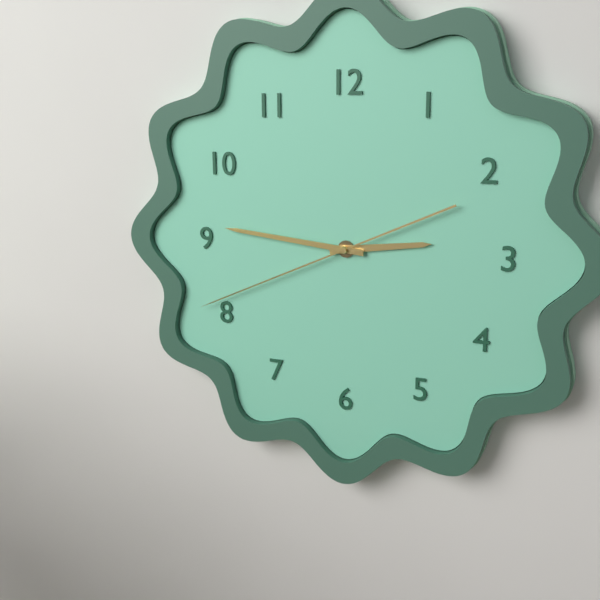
2:46:41
